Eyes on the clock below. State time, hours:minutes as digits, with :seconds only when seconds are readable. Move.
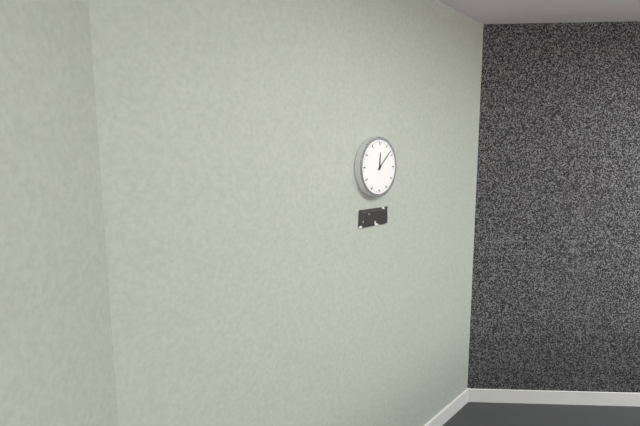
12:08
